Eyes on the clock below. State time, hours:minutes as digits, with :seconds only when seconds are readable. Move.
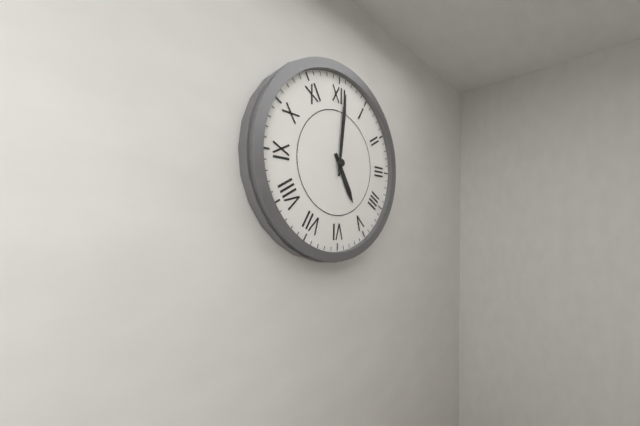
5:01
